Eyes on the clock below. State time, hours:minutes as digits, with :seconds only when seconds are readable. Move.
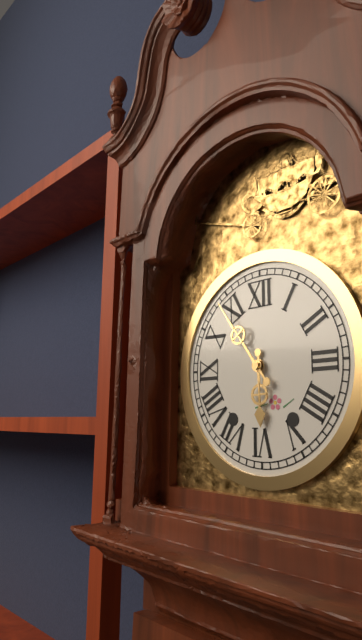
5:54
